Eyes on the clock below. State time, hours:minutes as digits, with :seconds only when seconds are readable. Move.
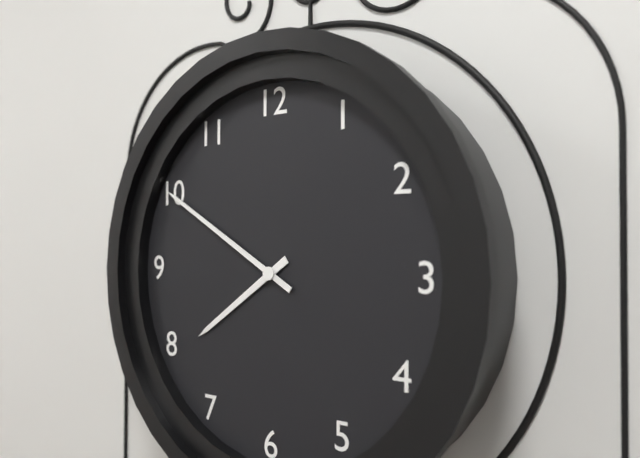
7:50
